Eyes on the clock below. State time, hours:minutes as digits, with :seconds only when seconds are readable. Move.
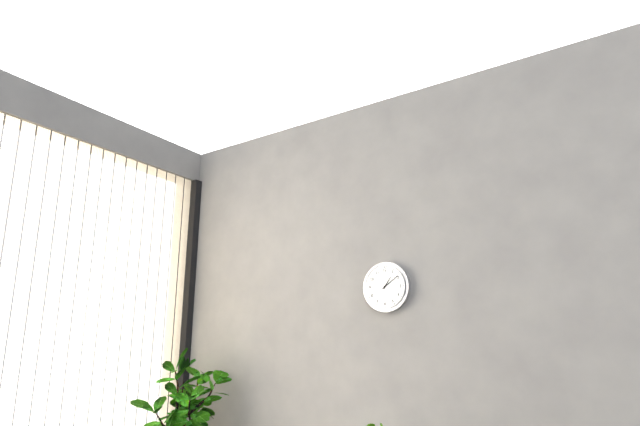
1:09
